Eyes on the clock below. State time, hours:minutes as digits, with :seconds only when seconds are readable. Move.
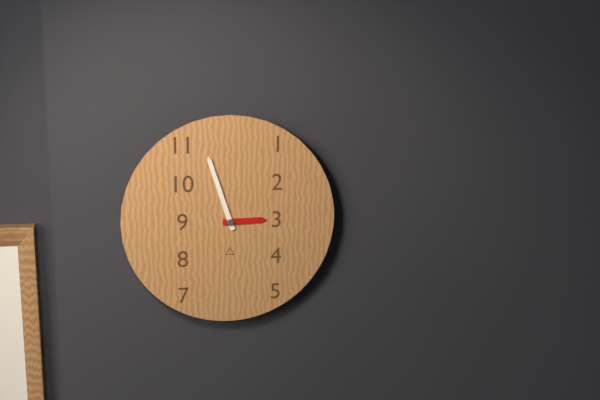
2:57
